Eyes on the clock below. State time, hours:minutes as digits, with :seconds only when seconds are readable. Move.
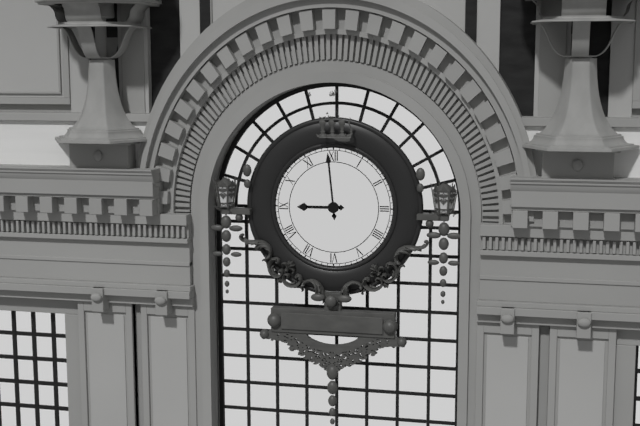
8:59
